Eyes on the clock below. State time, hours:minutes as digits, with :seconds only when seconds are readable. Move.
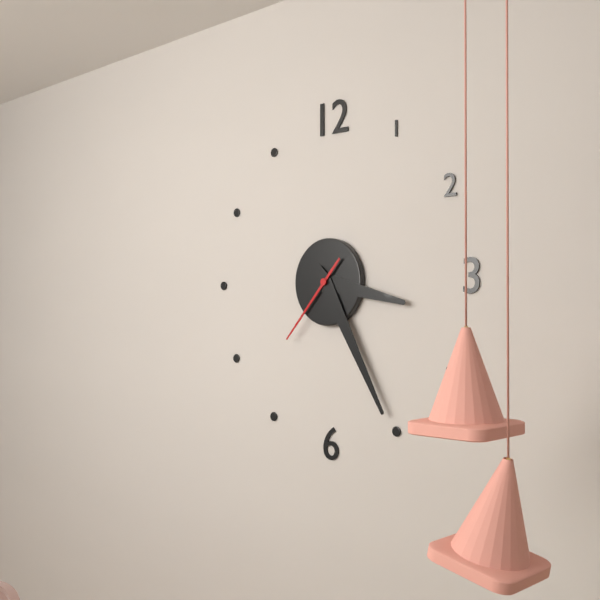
3:25:37
